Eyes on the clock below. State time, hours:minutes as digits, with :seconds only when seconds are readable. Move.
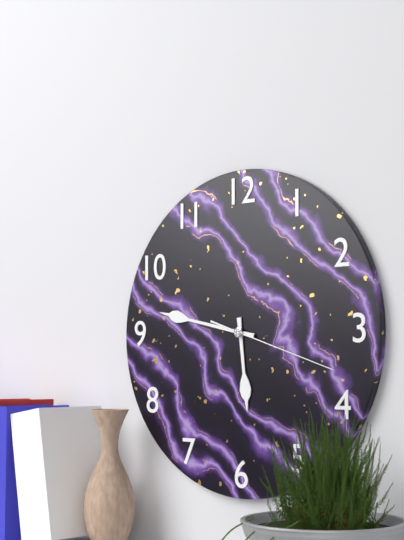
5:47:18
